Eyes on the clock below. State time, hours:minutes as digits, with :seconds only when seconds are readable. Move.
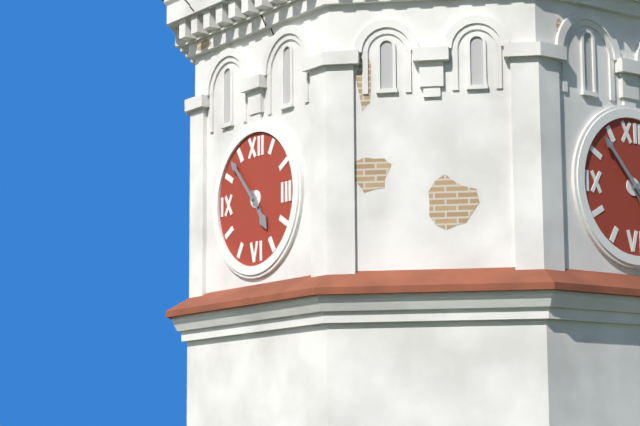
4:53
